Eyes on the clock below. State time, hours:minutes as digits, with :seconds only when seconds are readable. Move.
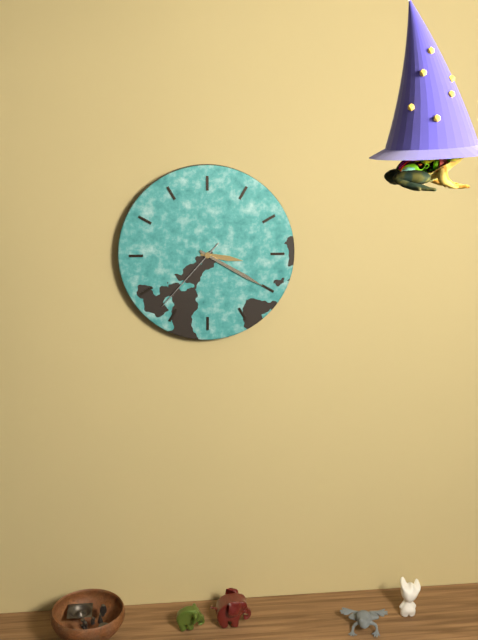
3:20:37
